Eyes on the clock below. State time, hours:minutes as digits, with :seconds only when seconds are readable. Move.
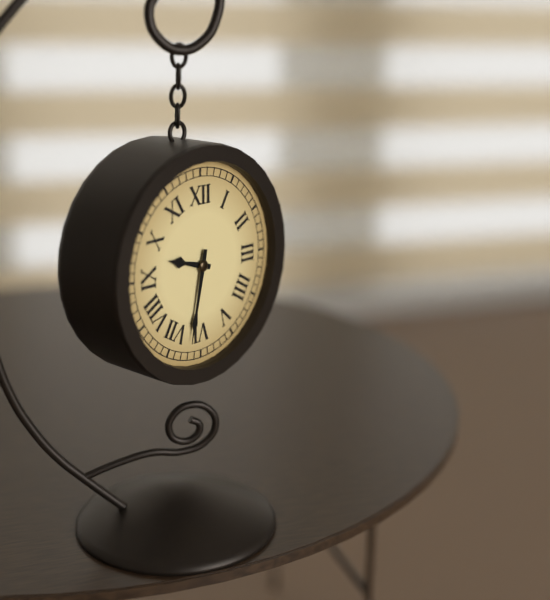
9:32
